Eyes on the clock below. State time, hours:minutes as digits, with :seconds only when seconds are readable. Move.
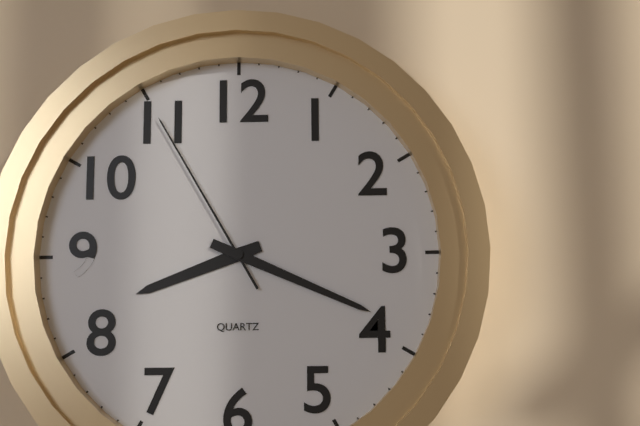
8:19:55
